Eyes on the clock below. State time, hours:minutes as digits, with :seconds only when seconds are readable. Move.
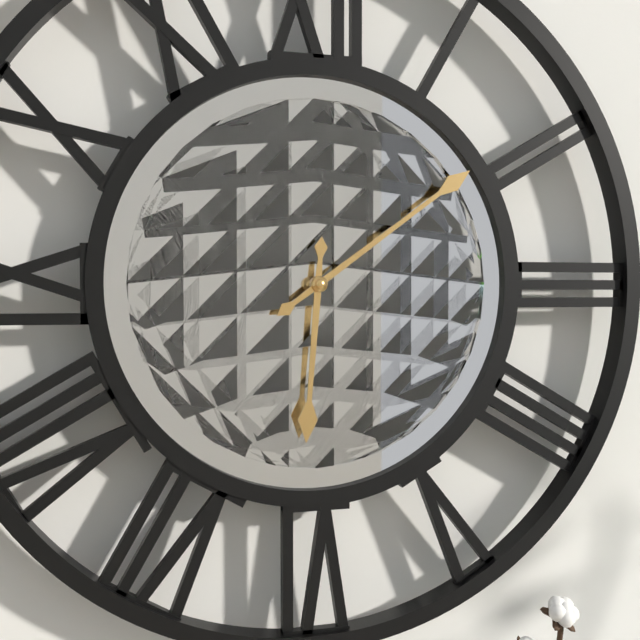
6:09
